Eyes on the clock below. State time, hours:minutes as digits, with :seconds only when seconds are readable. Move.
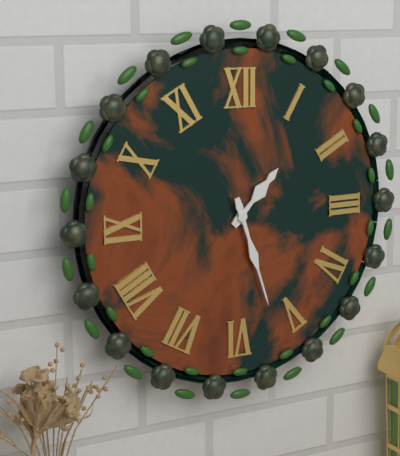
1:27
